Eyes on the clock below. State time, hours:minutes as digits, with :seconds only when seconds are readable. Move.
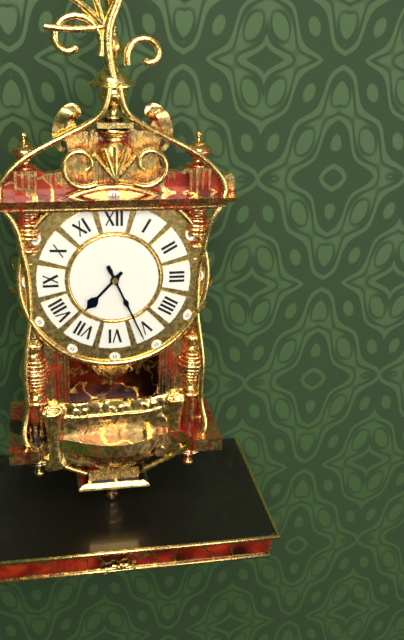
7:26
